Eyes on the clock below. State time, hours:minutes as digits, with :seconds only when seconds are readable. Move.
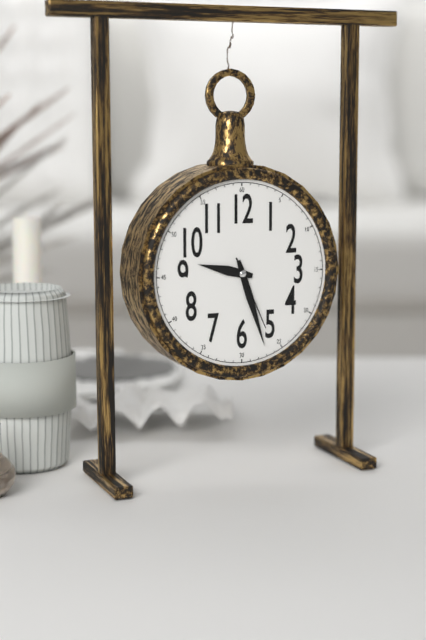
9:27:26
